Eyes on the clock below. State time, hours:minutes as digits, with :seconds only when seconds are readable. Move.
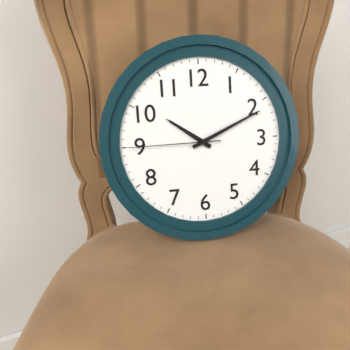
10:11:45
